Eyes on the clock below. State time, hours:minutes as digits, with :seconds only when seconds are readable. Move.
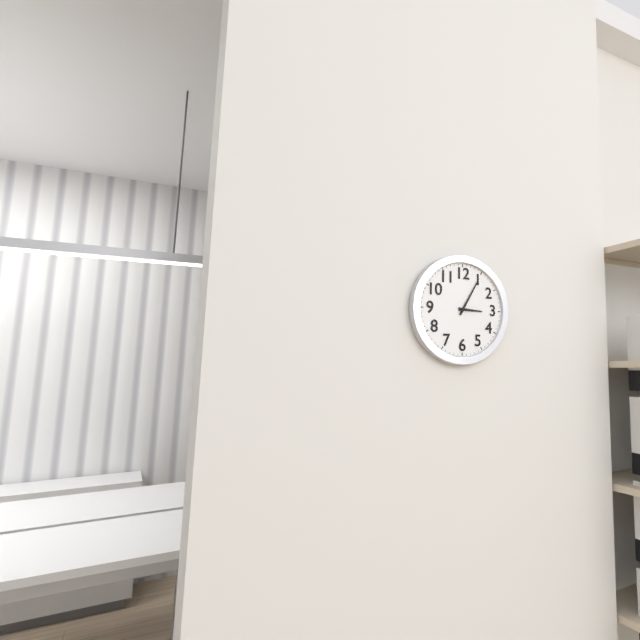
3:05
